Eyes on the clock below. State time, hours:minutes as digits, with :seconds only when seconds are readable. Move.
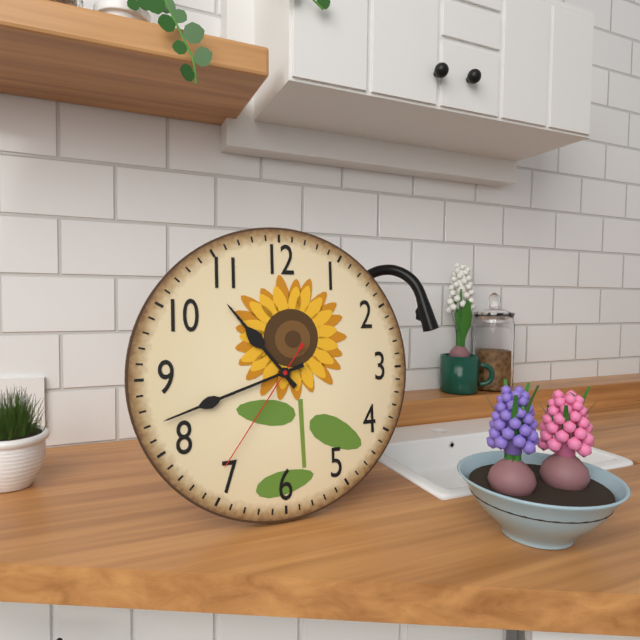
10:42:36
